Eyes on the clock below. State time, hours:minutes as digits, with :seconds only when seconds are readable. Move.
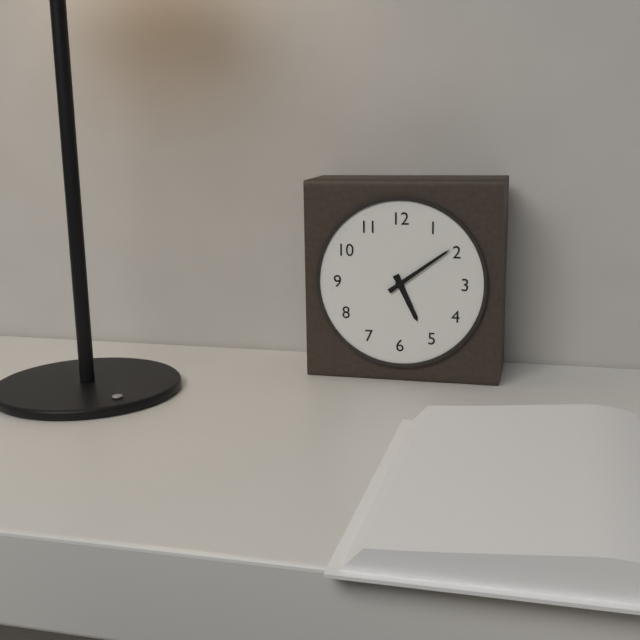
5:09
